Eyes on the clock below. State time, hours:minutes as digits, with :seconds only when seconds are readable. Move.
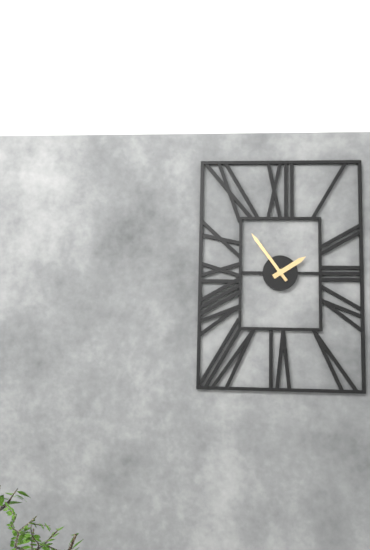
1:54
